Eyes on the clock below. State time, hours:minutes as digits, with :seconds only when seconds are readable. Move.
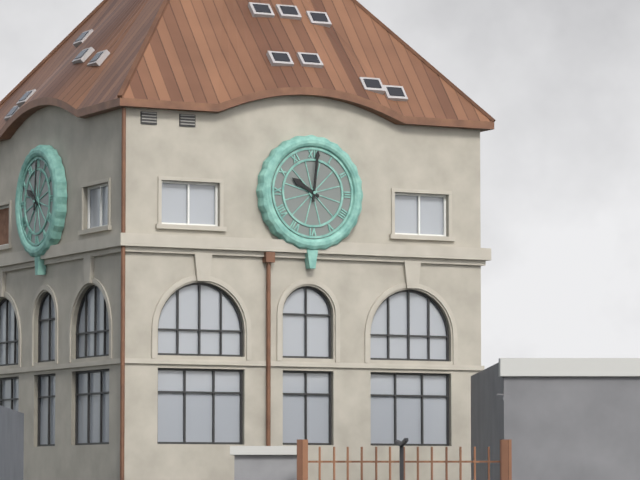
10:01
